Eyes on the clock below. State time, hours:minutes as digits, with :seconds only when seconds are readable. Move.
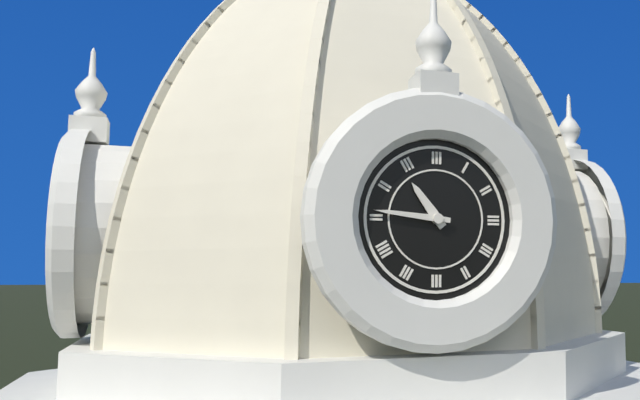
10:46
